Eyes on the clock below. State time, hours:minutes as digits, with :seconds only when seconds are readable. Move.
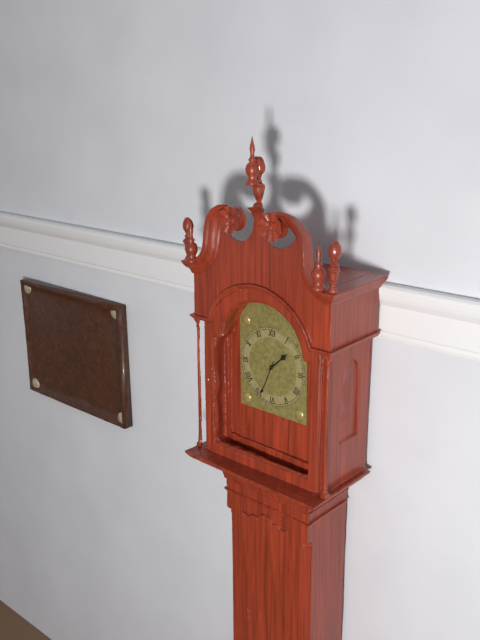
1:34
